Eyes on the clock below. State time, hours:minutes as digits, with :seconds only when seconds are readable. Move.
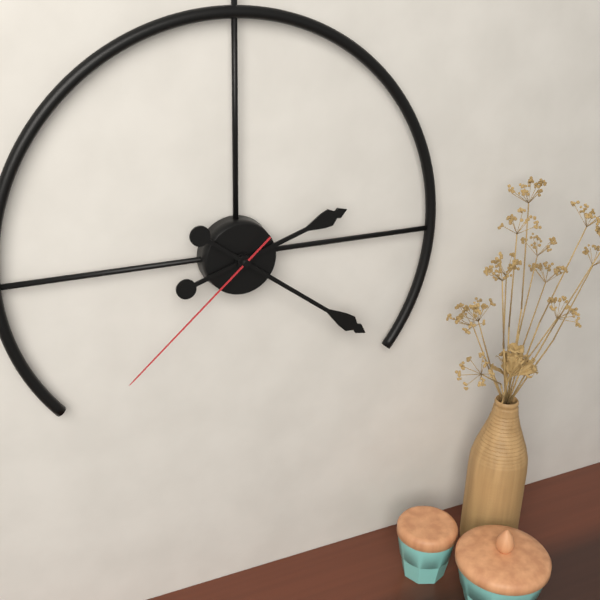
2:21:38
